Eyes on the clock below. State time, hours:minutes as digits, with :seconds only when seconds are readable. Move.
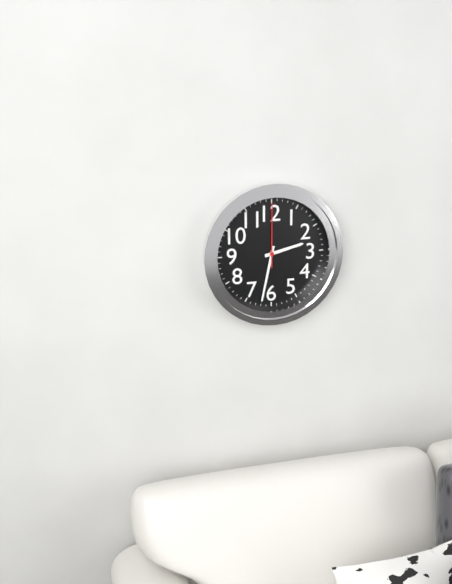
2:32:00
